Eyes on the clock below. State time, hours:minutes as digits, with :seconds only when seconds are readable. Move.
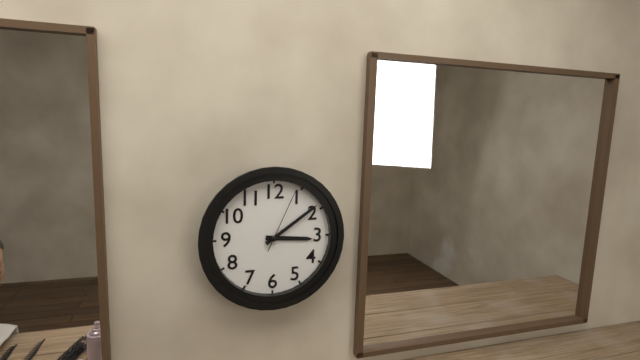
3:09:04
